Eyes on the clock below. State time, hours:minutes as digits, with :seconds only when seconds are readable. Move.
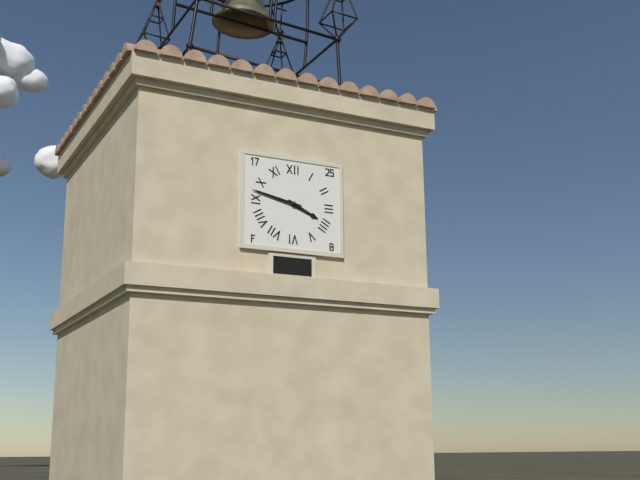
3:47
